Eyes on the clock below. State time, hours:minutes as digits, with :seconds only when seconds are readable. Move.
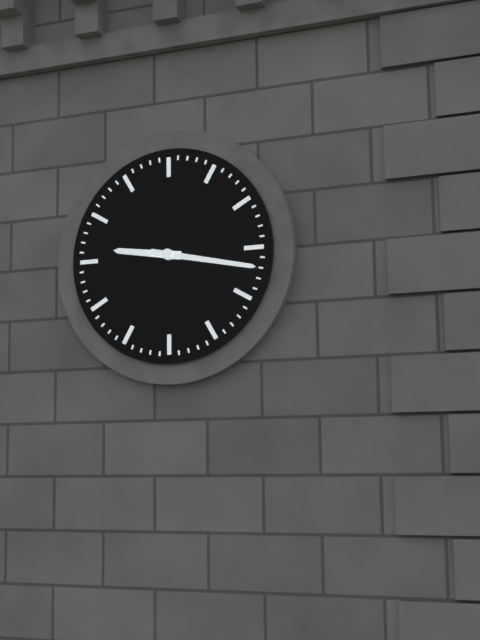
9:17
